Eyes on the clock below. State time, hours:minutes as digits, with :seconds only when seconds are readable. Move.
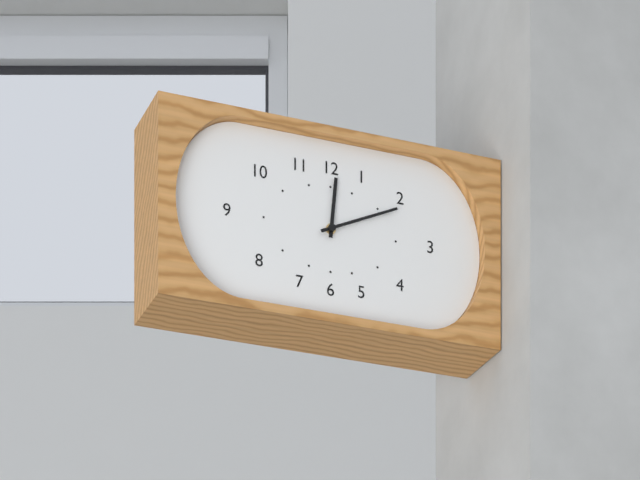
12:11
